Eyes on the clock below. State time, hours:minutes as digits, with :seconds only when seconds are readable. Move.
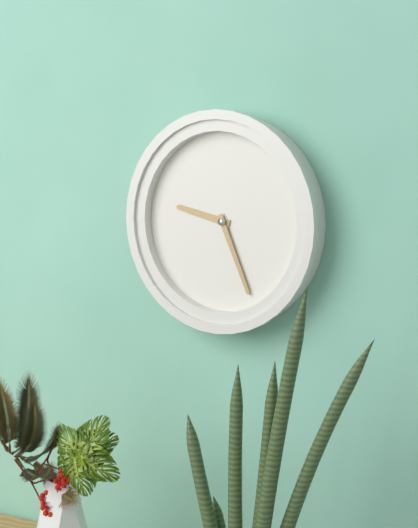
9:26
